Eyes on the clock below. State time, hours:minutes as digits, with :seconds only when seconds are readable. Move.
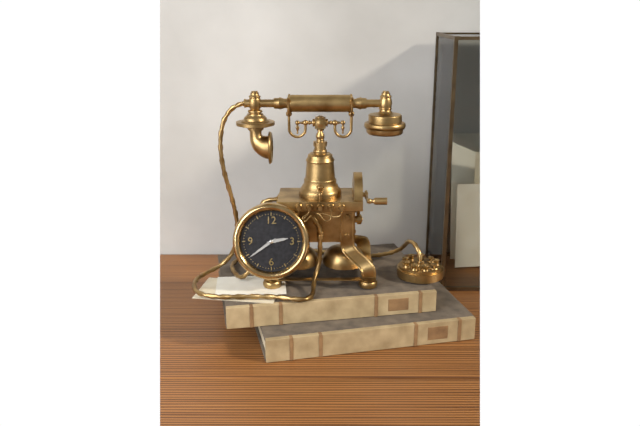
2:39
